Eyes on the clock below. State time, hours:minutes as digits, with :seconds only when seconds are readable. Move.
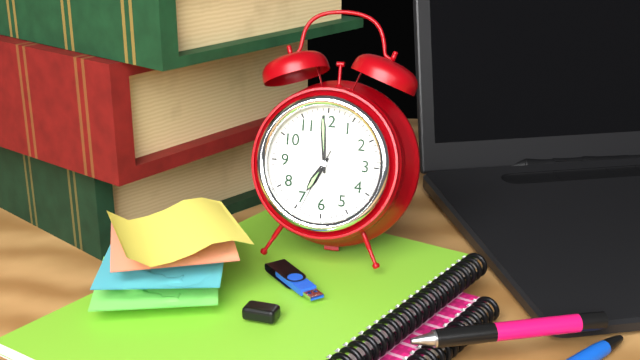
6:59:34
